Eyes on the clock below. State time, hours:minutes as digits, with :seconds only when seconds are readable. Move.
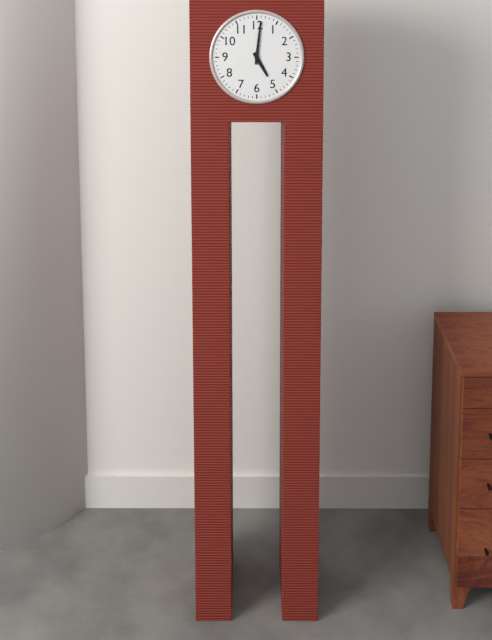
5:01
